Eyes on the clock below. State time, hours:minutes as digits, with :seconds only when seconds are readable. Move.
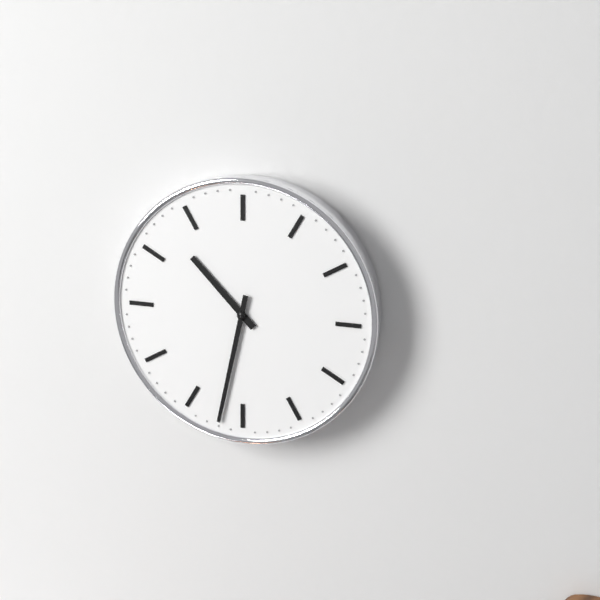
10:32
